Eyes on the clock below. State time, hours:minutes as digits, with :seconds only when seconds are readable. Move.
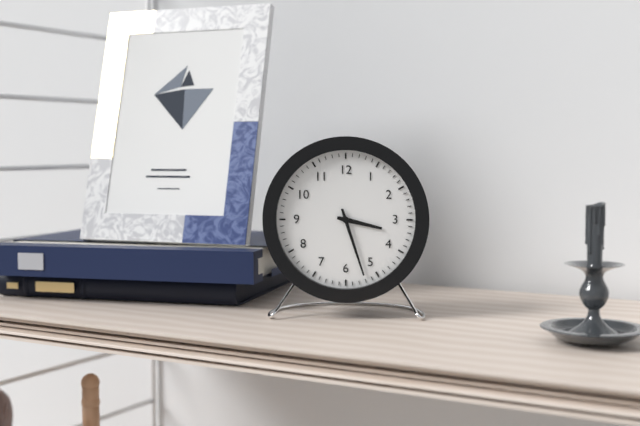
3:27
